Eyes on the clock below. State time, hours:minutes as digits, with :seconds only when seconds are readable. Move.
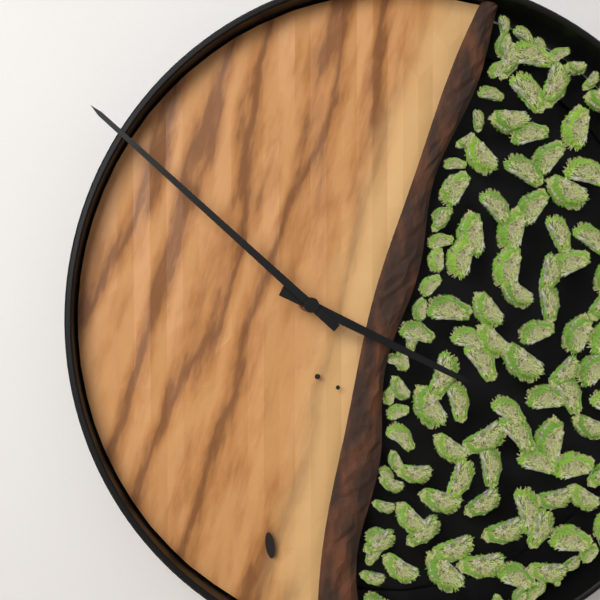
3:52
